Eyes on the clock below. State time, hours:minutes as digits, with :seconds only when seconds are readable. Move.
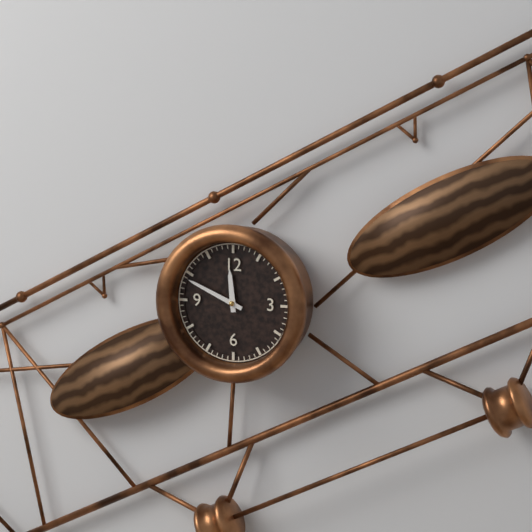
11:49
